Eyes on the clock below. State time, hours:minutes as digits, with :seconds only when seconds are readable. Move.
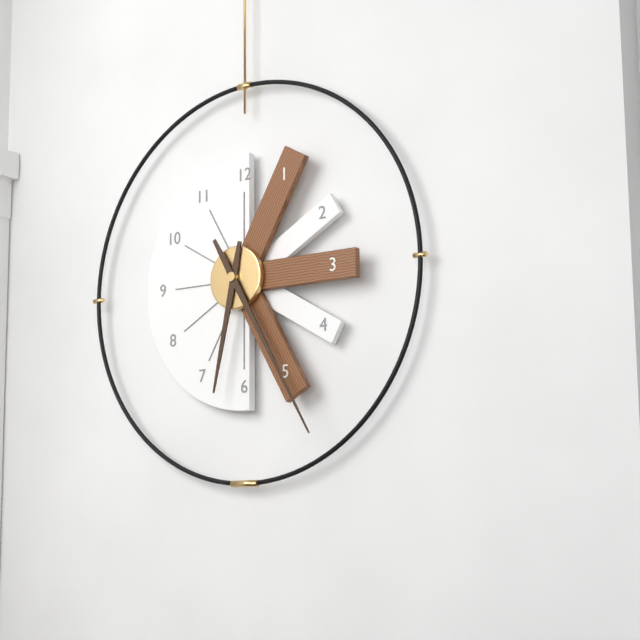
6:25
